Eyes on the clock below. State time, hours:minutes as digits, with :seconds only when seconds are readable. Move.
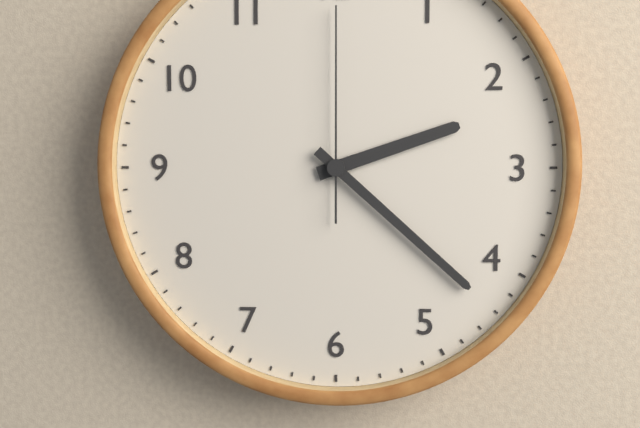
2:22:00
